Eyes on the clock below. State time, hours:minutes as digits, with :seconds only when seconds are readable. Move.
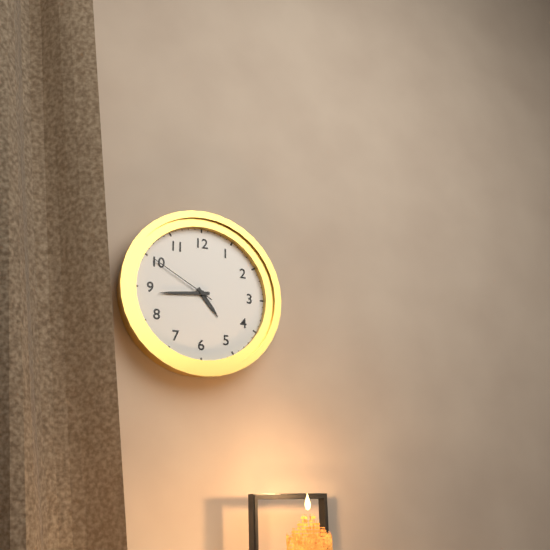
4:44:50
